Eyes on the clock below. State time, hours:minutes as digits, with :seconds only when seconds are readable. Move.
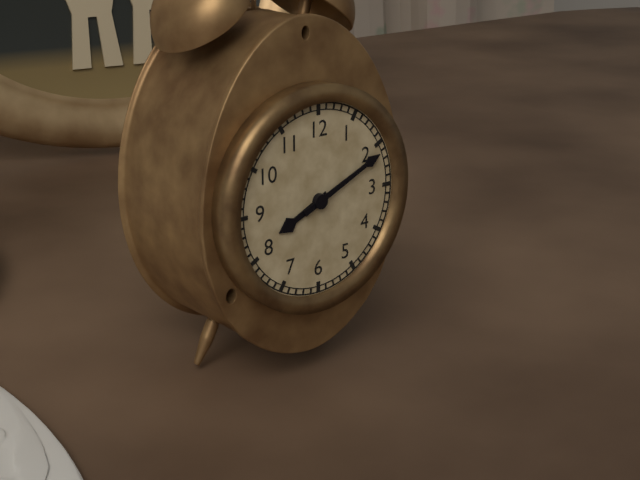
8:11
